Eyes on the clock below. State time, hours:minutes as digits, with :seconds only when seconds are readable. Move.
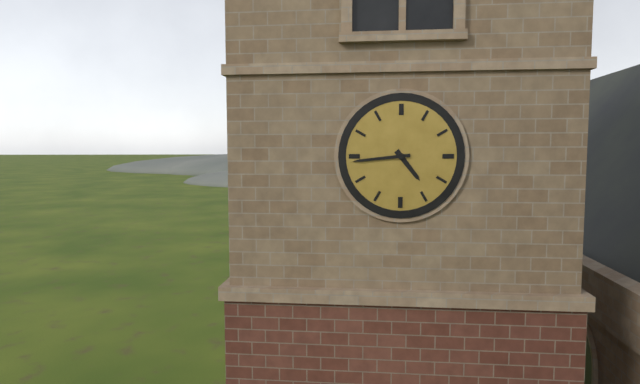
4:44
